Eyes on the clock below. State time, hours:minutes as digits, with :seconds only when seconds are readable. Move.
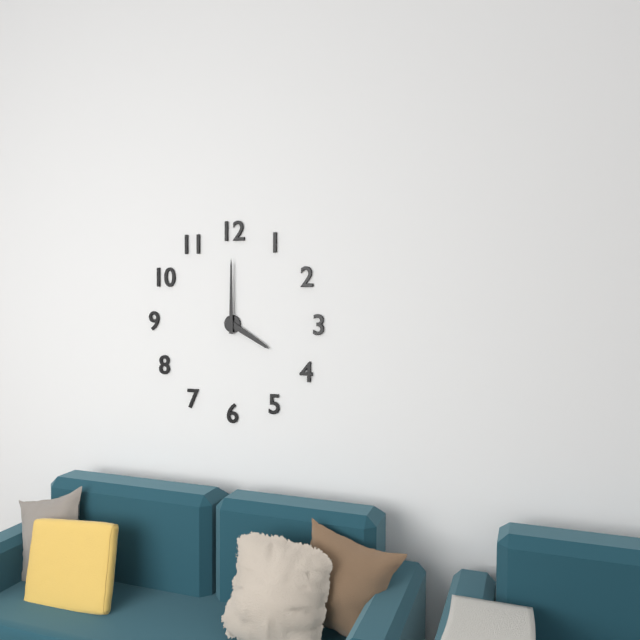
4:00
